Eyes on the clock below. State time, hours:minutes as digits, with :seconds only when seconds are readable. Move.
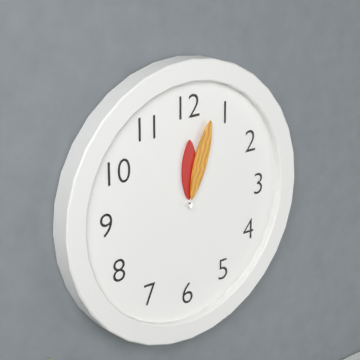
12:03
